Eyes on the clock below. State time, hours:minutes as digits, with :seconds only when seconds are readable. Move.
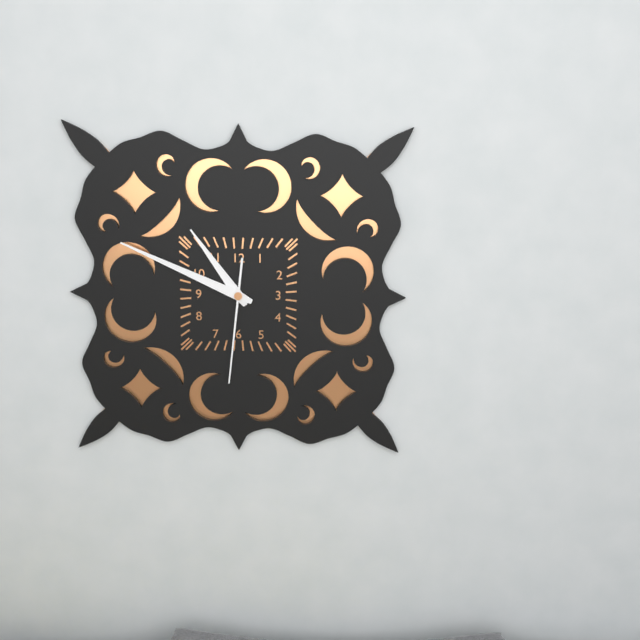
10:49:31
